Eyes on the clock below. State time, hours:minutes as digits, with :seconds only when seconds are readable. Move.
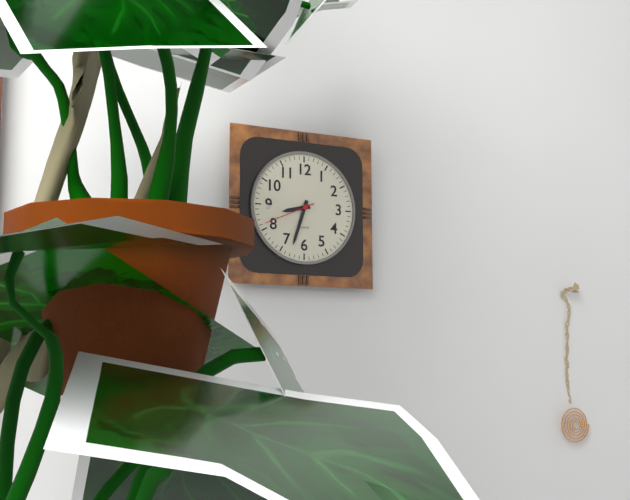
8:33:41
